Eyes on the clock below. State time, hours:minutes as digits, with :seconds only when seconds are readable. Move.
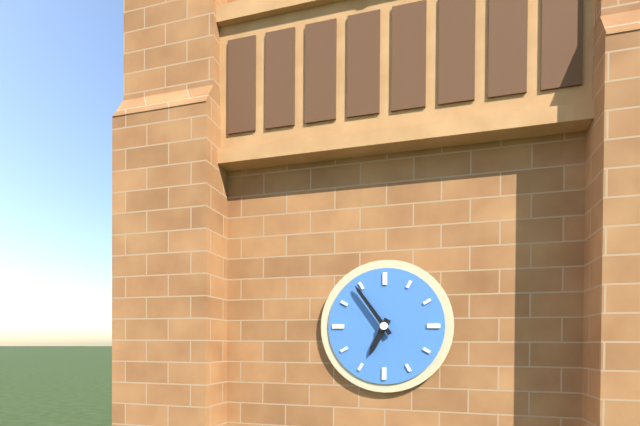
6:54
